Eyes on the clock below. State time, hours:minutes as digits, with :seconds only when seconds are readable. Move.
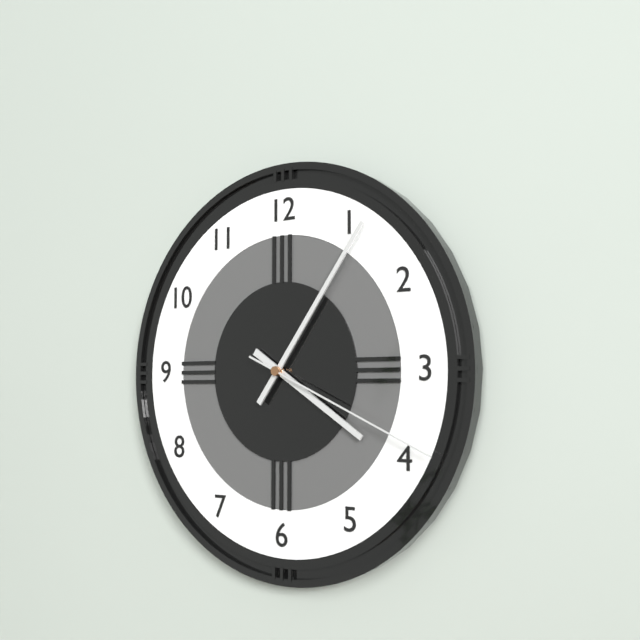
4:06:19
